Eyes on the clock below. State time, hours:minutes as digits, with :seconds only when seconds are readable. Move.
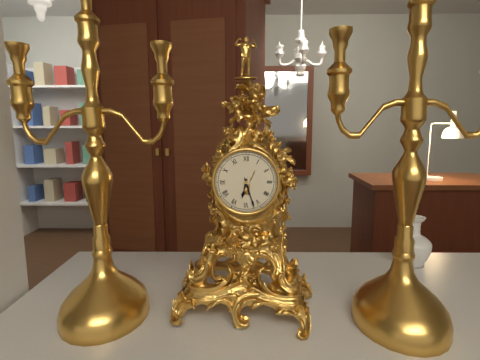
6:27
